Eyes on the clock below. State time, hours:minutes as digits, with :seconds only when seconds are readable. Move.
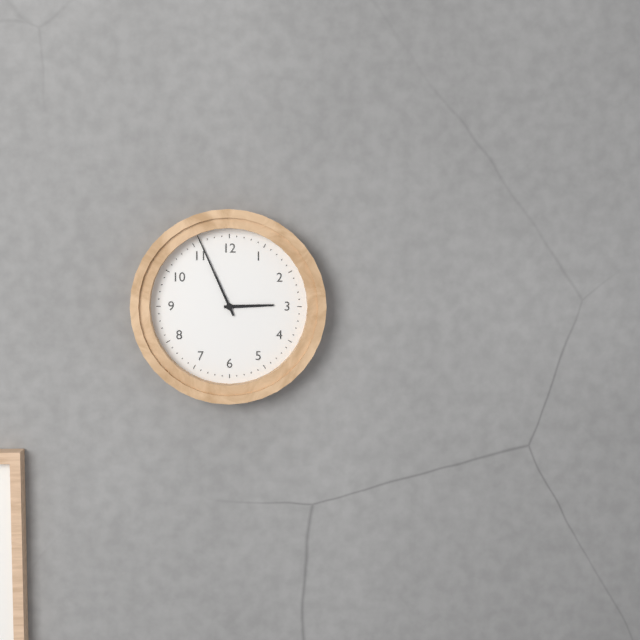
2:56
